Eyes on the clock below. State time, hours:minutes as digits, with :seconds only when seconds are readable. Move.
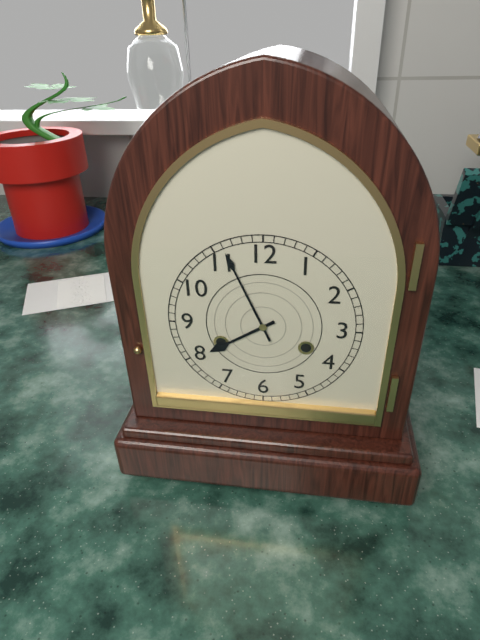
7:56
